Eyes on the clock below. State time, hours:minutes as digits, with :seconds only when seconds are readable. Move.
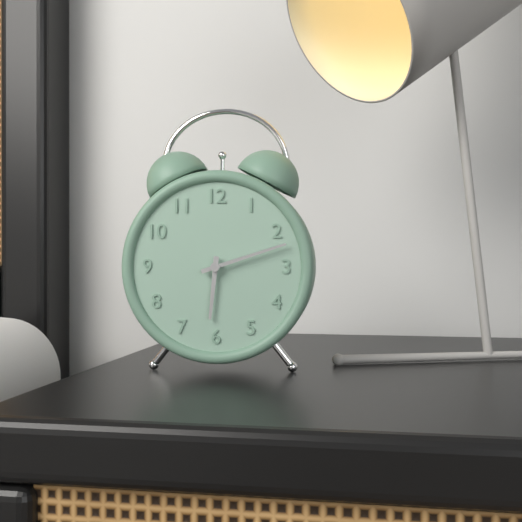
6:12
